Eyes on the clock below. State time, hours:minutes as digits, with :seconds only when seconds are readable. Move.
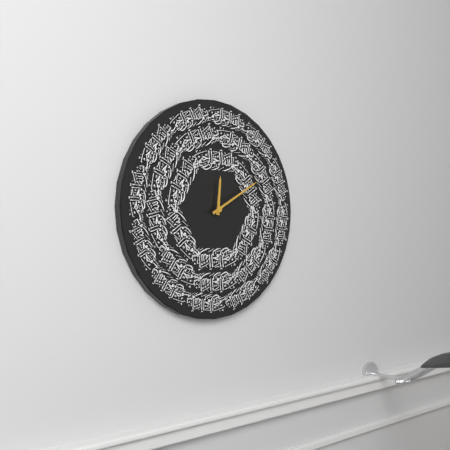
12:10
